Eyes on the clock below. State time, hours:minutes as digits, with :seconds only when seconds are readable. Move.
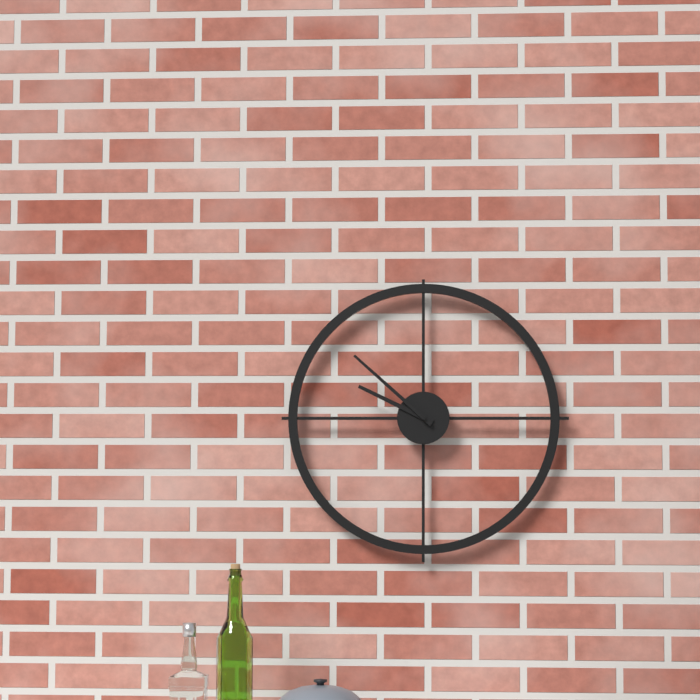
9:52
